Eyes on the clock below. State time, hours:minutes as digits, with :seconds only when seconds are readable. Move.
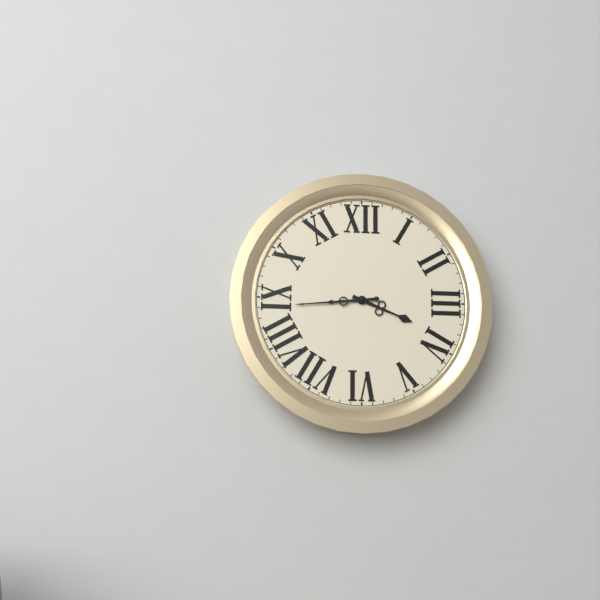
3:44
